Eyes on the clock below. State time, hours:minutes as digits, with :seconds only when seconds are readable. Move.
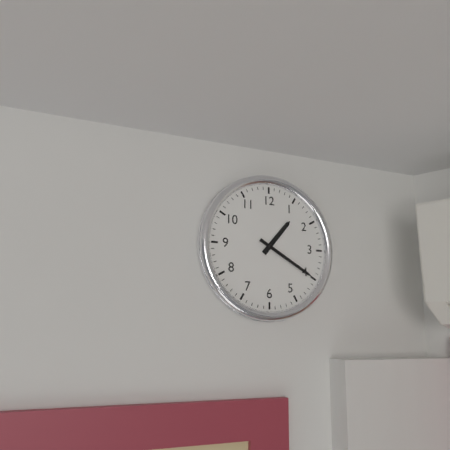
1:20
